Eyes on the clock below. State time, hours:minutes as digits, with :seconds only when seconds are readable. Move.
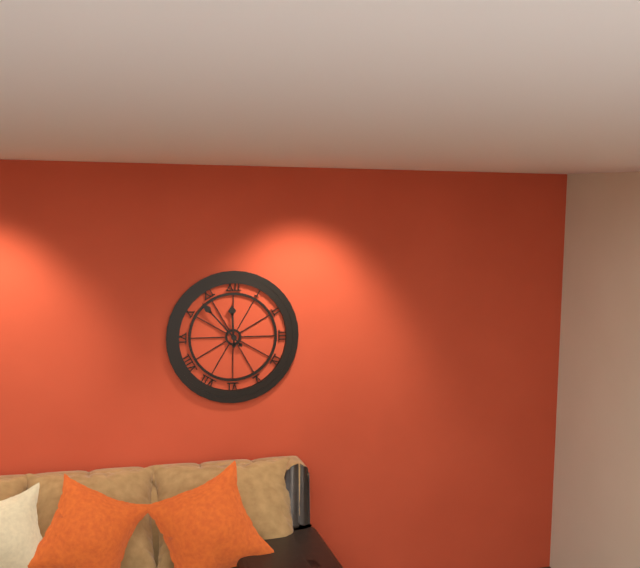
11:53
